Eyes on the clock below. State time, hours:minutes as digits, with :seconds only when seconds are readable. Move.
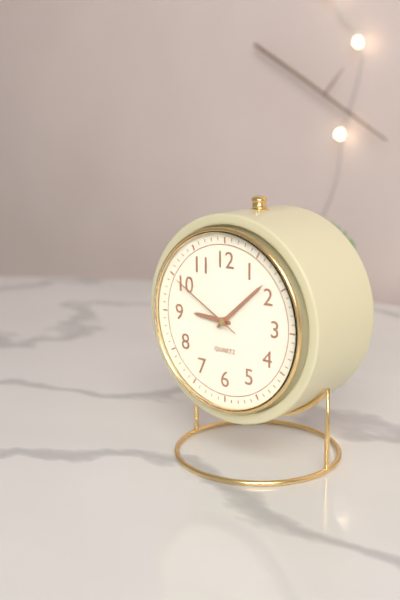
9:08:50
